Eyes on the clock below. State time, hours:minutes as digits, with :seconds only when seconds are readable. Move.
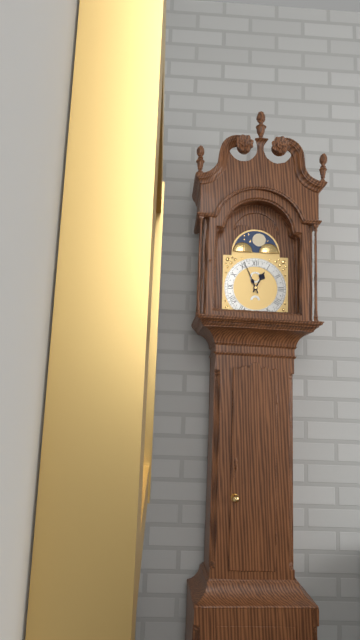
12:56
